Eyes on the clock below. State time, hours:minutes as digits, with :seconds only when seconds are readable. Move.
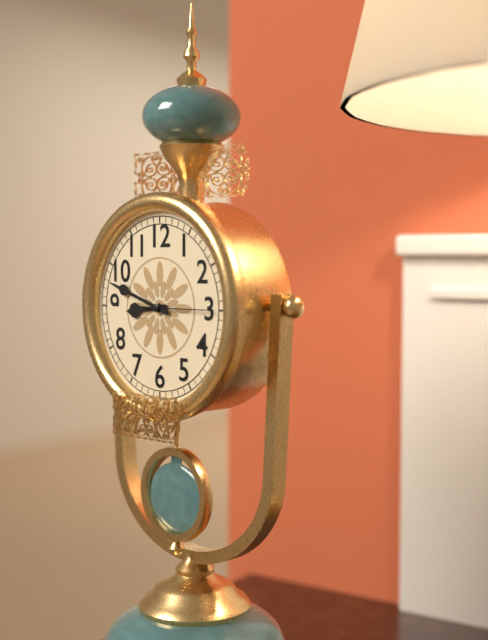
8:48:15
